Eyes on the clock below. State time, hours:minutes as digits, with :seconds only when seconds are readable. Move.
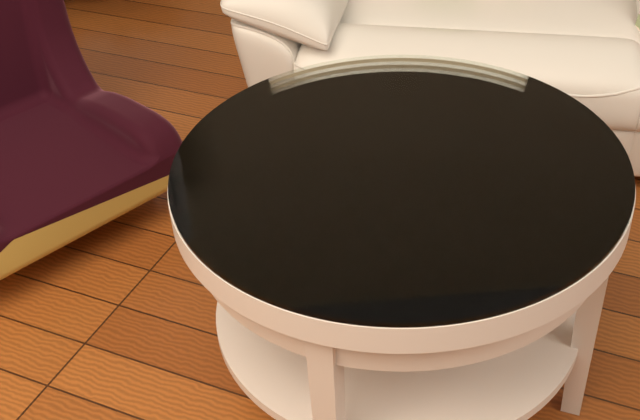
3:04
